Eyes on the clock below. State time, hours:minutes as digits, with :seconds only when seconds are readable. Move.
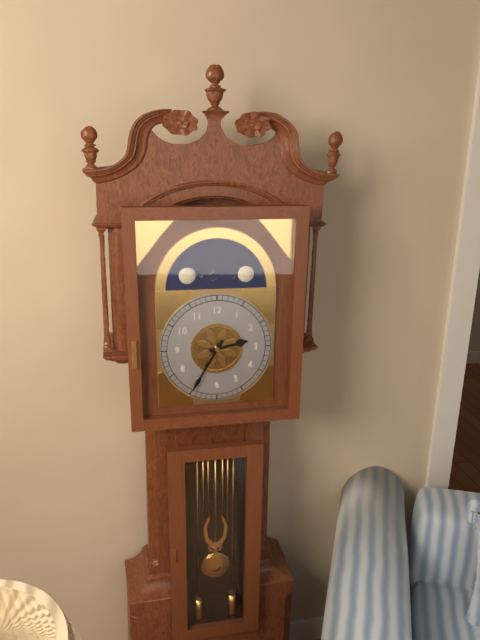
2:35
